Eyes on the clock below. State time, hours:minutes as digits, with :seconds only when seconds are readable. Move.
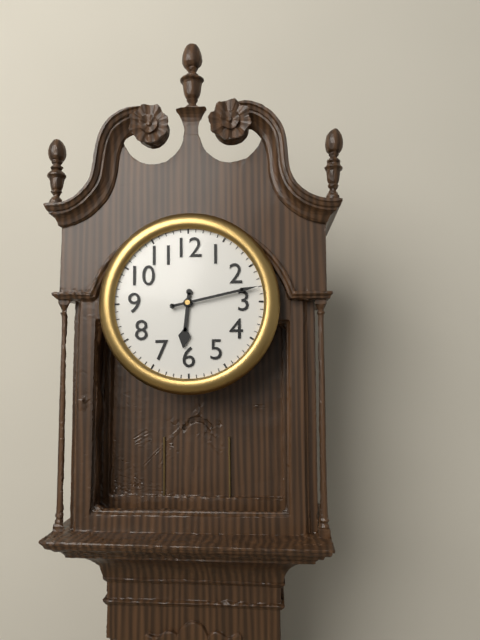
6:13
